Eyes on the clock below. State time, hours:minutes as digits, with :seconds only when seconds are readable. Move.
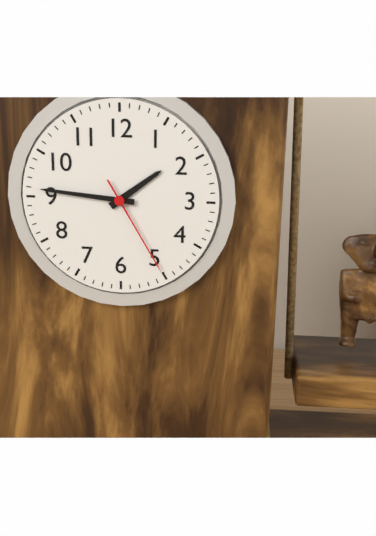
1:46:25
